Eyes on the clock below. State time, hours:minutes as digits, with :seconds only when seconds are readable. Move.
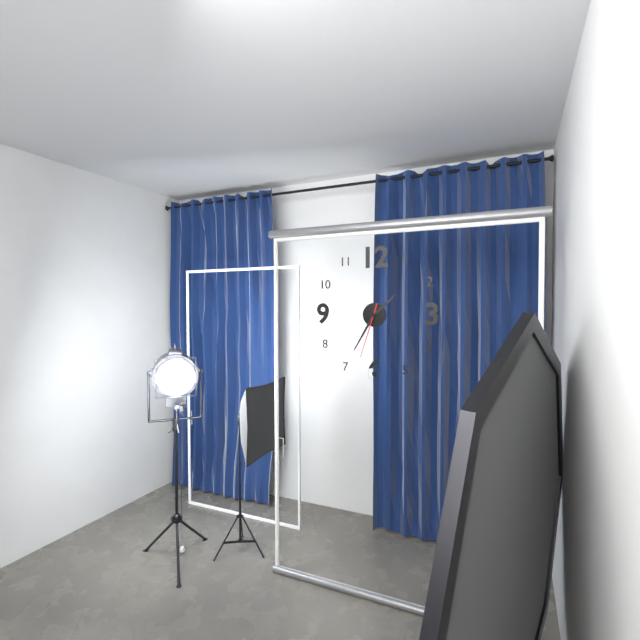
1:35:33
